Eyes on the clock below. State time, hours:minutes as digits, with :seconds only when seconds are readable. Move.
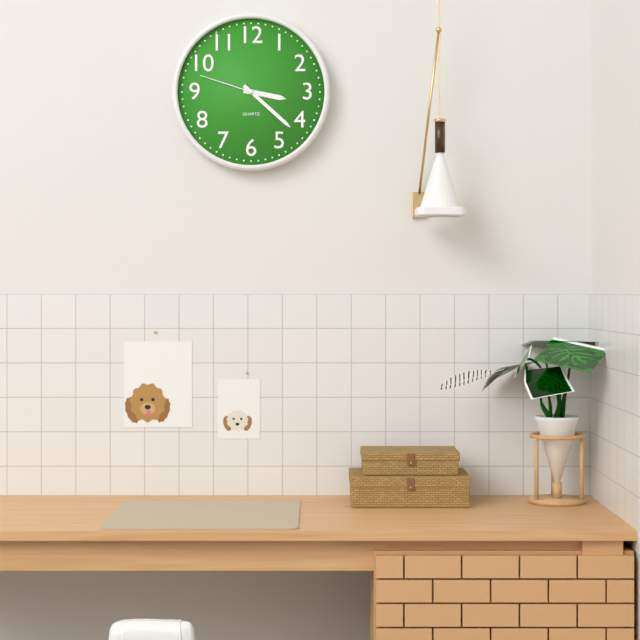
3:22:48
